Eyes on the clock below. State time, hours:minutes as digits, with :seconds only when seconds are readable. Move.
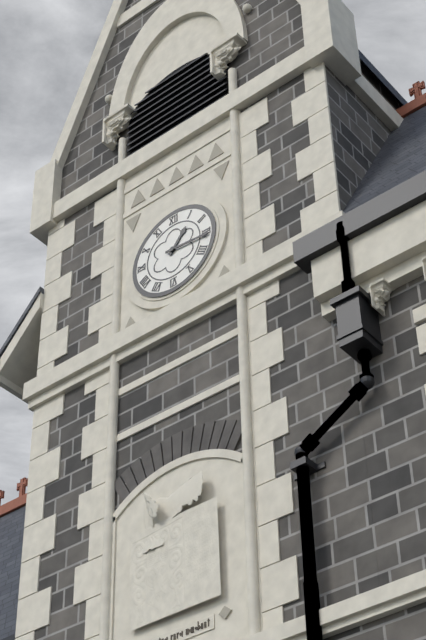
1:16
